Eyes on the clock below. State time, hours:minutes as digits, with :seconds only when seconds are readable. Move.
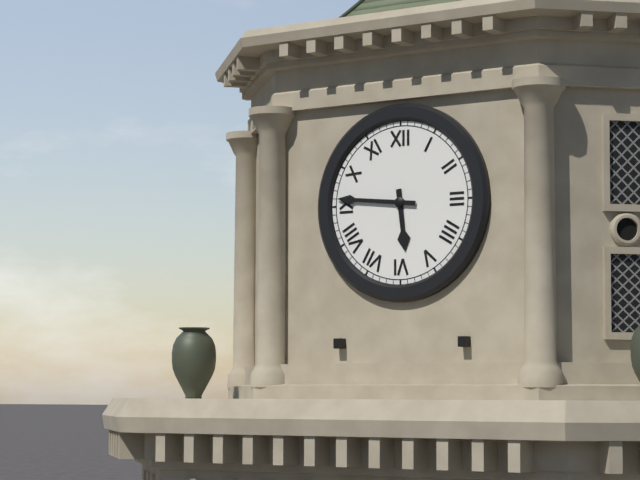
5:46
